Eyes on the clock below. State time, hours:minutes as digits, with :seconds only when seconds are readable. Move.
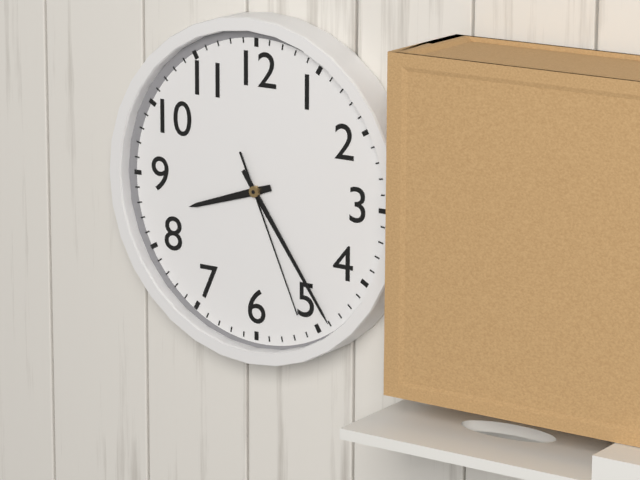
8:24:26
